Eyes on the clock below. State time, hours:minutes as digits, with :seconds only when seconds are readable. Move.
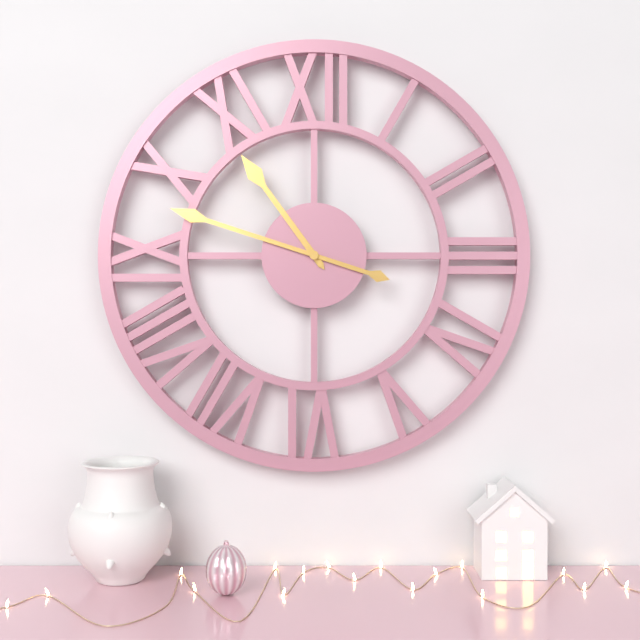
10:48
